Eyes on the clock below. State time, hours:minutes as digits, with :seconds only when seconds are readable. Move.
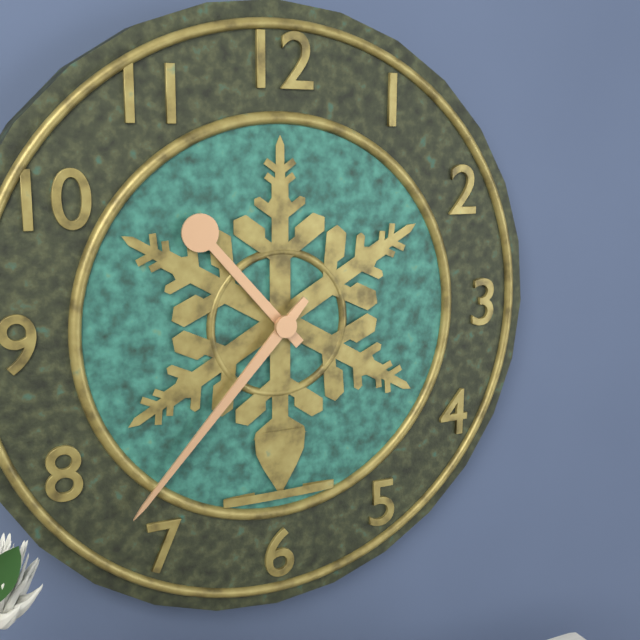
10:37
